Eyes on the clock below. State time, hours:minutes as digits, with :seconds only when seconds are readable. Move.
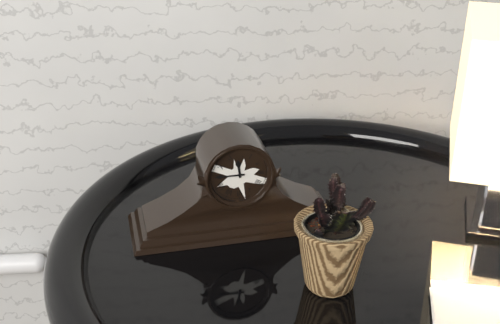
11:45
